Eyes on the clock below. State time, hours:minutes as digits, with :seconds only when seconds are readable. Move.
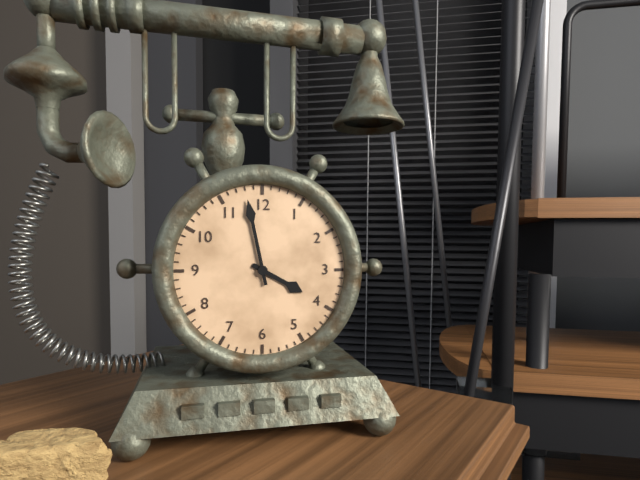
3:58
